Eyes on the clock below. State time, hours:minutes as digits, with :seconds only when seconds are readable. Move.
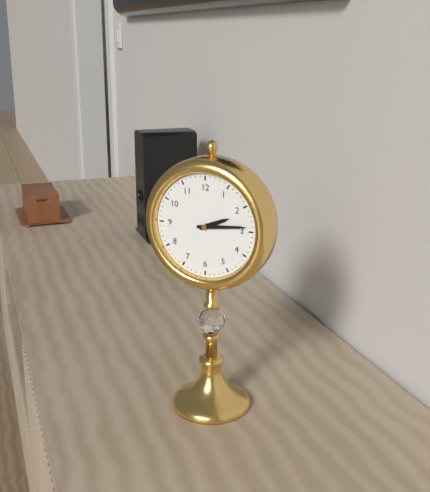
2:14
